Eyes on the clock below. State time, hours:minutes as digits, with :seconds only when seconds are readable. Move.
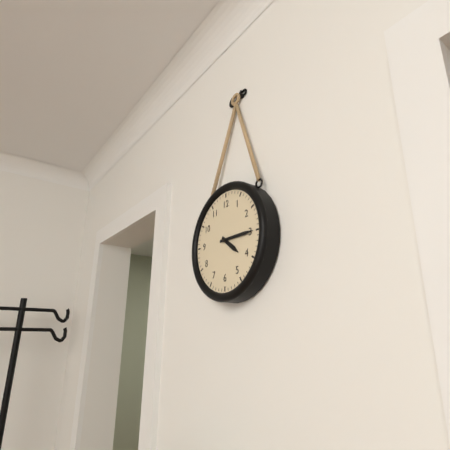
4:15
